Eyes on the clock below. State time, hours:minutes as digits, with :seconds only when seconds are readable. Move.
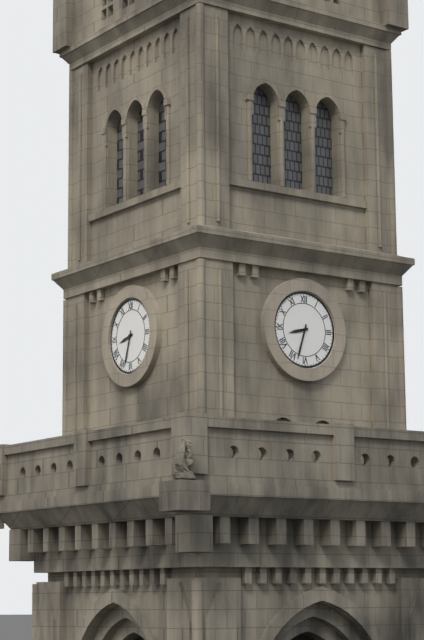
8:33
